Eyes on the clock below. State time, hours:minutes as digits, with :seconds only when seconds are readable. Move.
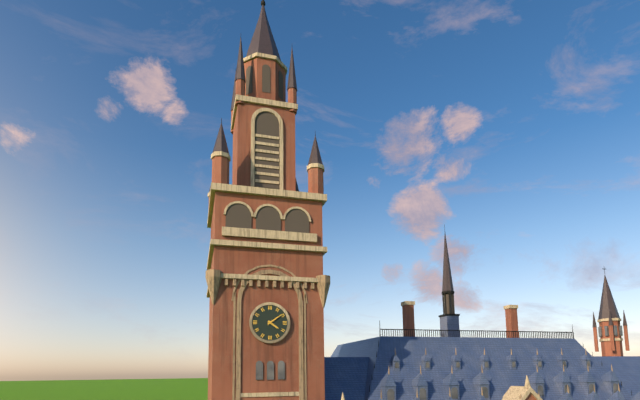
4:09
